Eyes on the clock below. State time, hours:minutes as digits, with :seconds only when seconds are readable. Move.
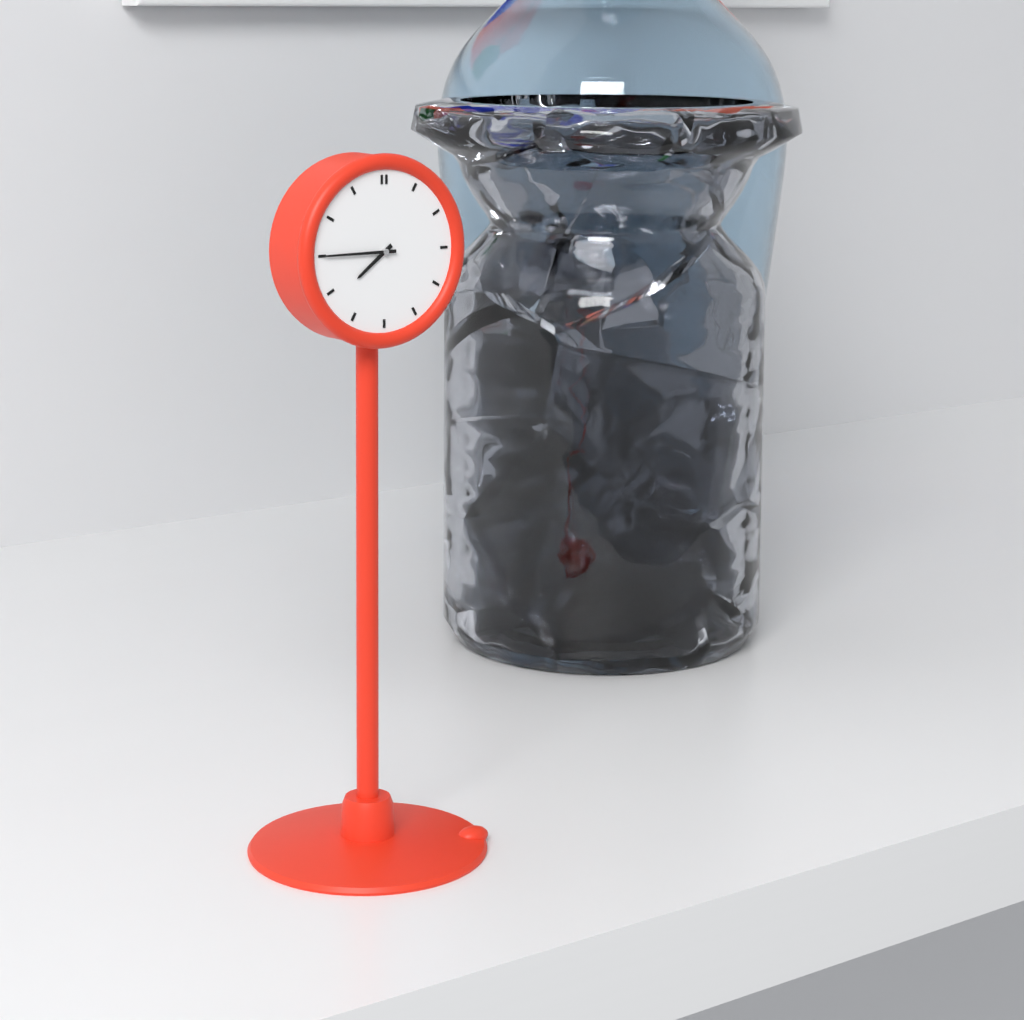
7:45
